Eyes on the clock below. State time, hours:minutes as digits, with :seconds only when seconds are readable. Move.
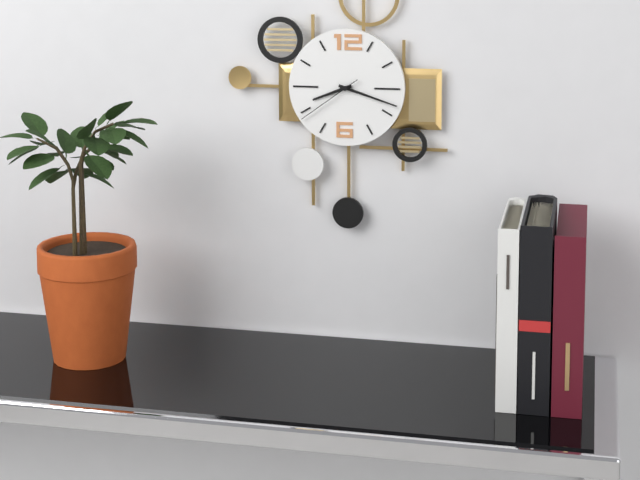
8:18:39
